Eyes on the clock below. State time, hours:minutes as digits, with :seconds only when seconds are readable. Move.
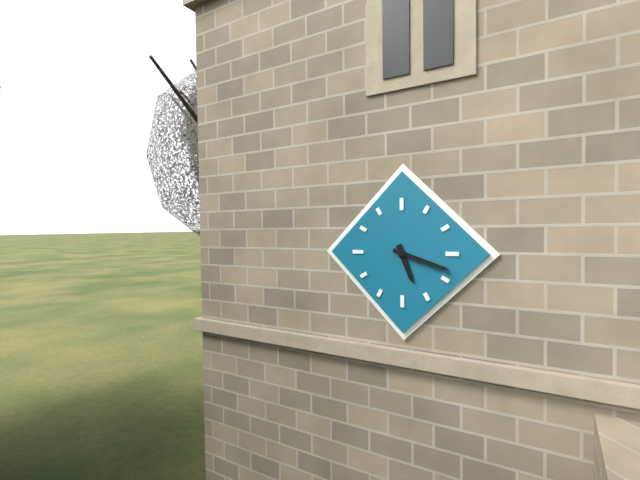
5:18
